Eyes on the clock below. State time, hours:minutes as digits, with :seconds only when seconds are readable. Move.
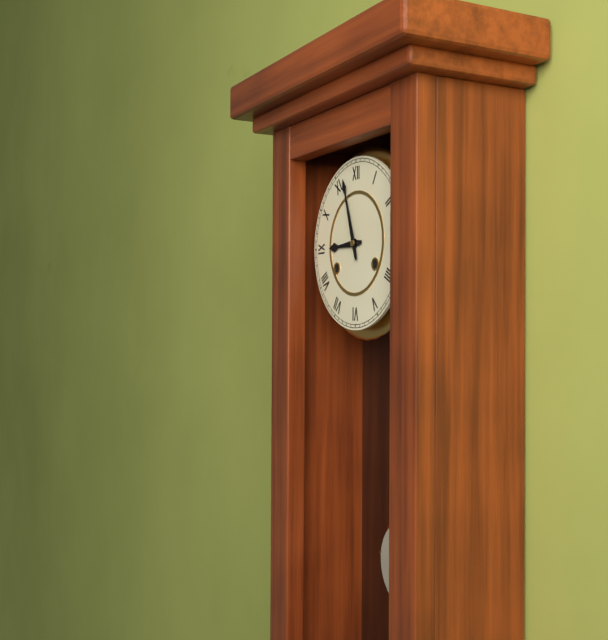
8:57
